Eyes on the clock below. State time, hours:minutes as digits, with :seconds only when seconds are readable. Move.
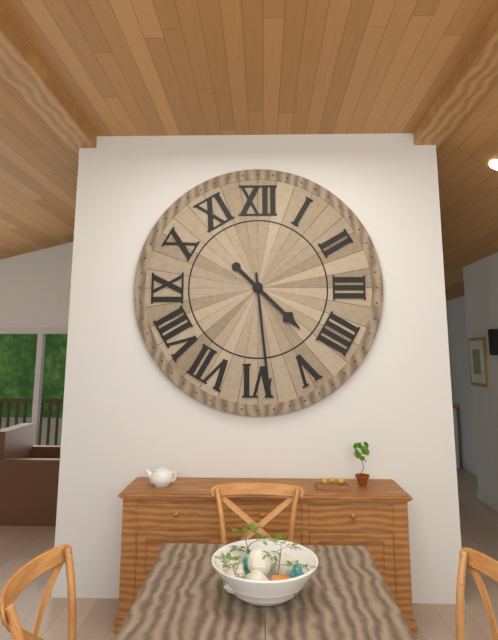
4:29
